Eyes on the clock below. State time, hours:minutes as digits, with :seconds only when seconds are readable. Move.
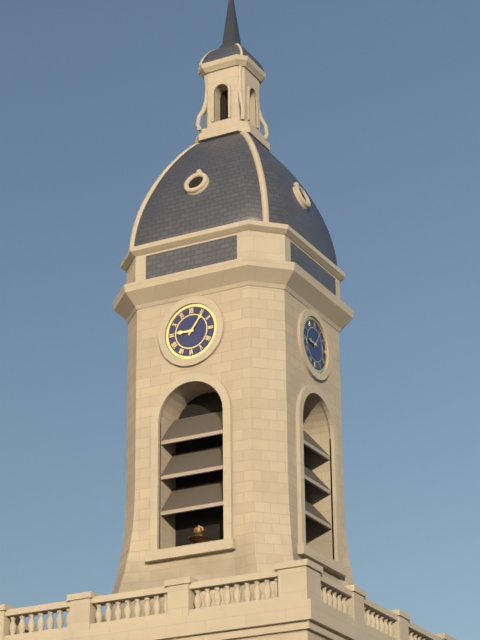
9:06
